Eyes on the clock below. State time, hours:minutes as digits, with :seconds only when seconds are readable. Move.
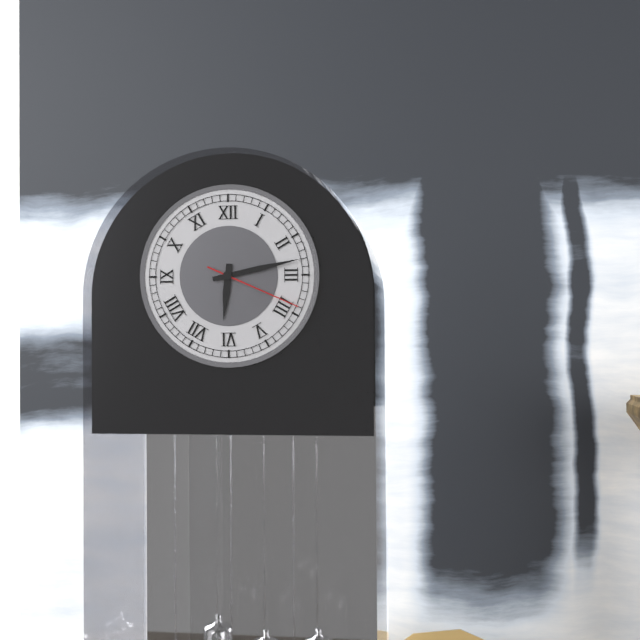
6:13:19
